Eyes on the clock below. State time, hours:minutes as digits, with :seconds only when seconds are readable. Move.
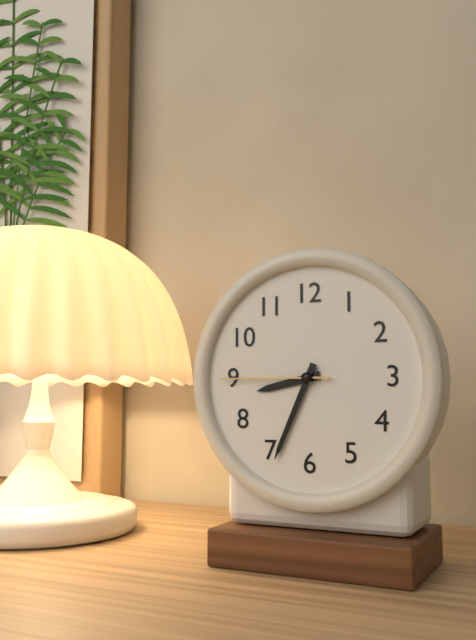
8:34:45
